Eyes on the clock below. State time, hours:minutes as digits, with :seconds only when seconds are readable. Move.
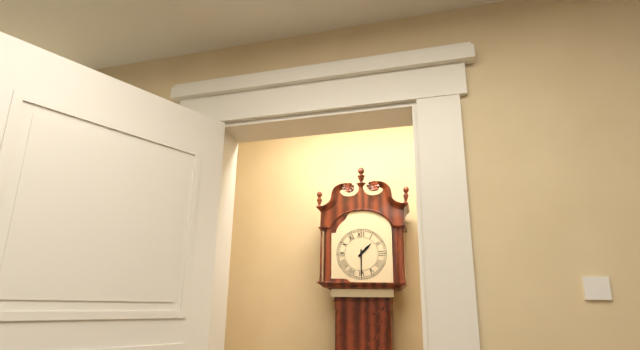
1:30
